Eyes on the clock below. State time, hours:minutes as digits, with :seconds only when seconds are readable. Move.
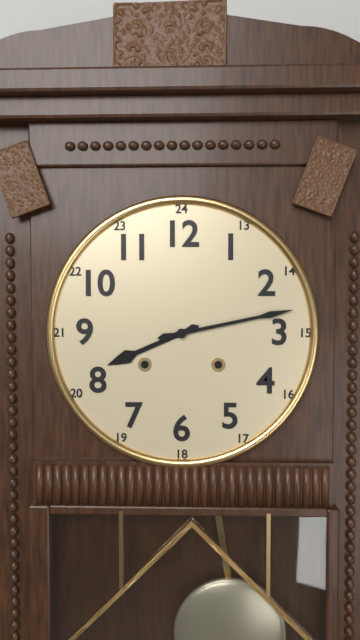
8:13
